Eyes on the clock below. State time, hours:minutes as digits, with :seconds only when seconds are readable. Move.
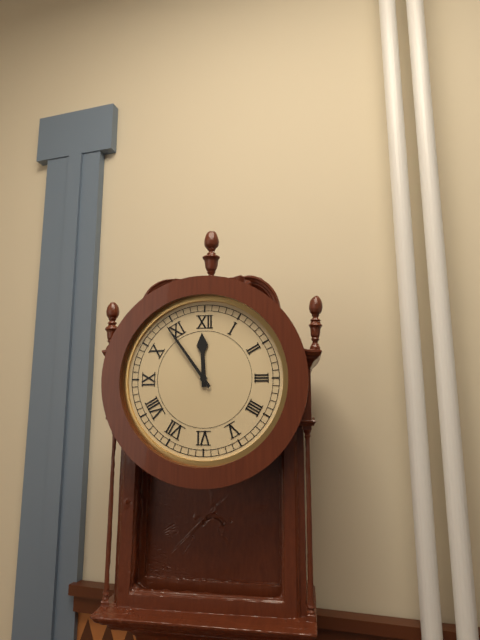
11:54
